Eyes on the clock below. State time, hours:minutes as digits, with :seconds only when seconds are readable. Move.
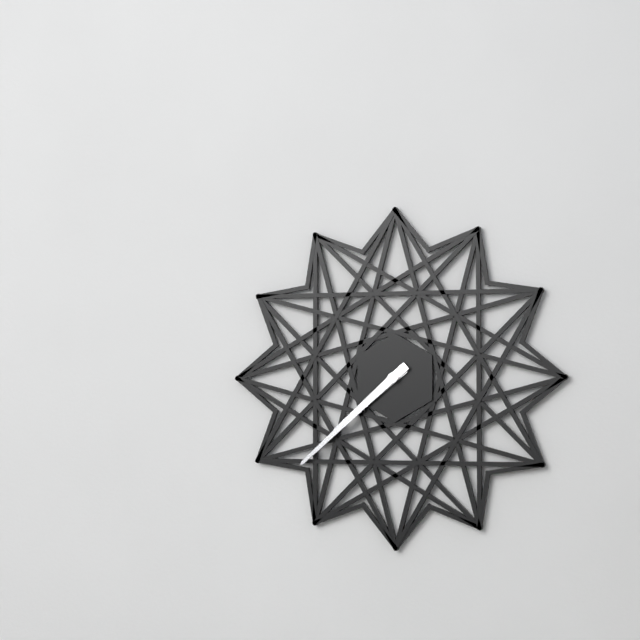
7:38
